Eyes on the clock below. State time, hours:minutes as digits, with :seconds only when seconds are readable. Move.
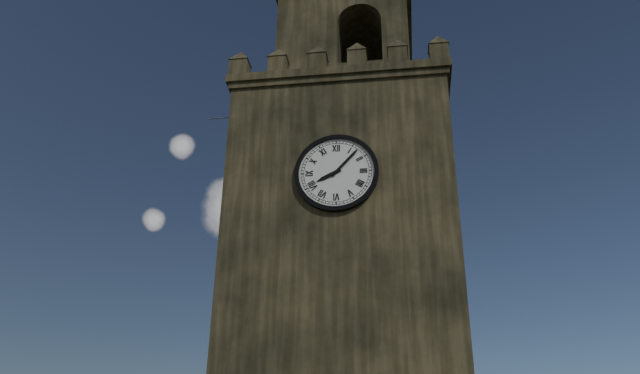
8:07
